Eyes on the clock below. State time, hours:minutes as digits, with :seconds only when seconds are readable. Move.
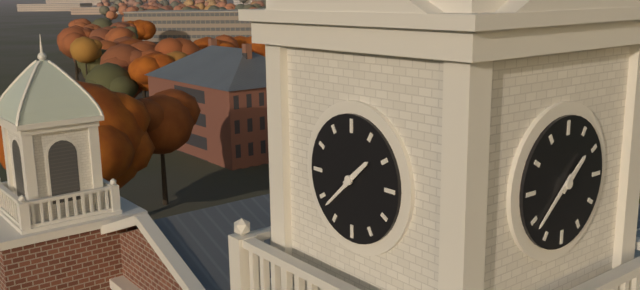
1:38
